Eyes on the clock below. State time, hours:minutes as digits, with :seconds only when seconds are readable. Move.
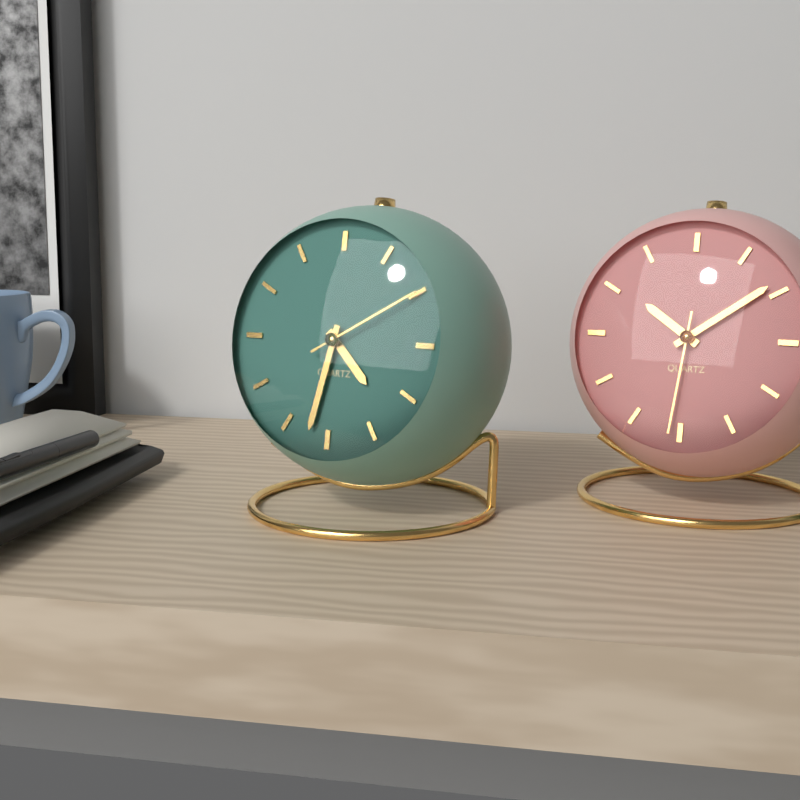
4:32:10
